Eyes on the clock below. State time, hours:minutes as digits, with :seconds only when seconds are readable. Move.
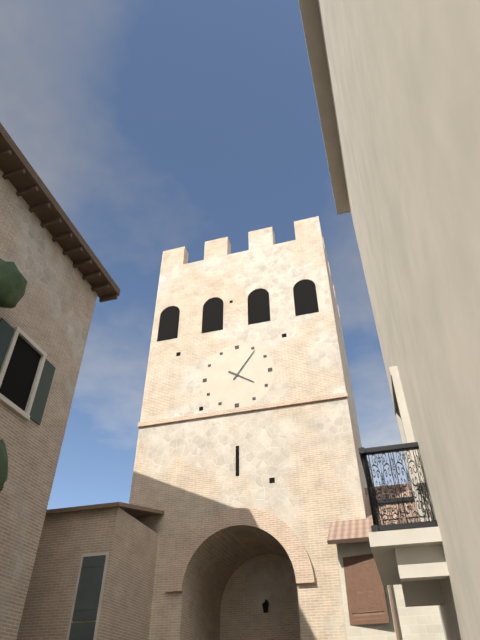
4:06
